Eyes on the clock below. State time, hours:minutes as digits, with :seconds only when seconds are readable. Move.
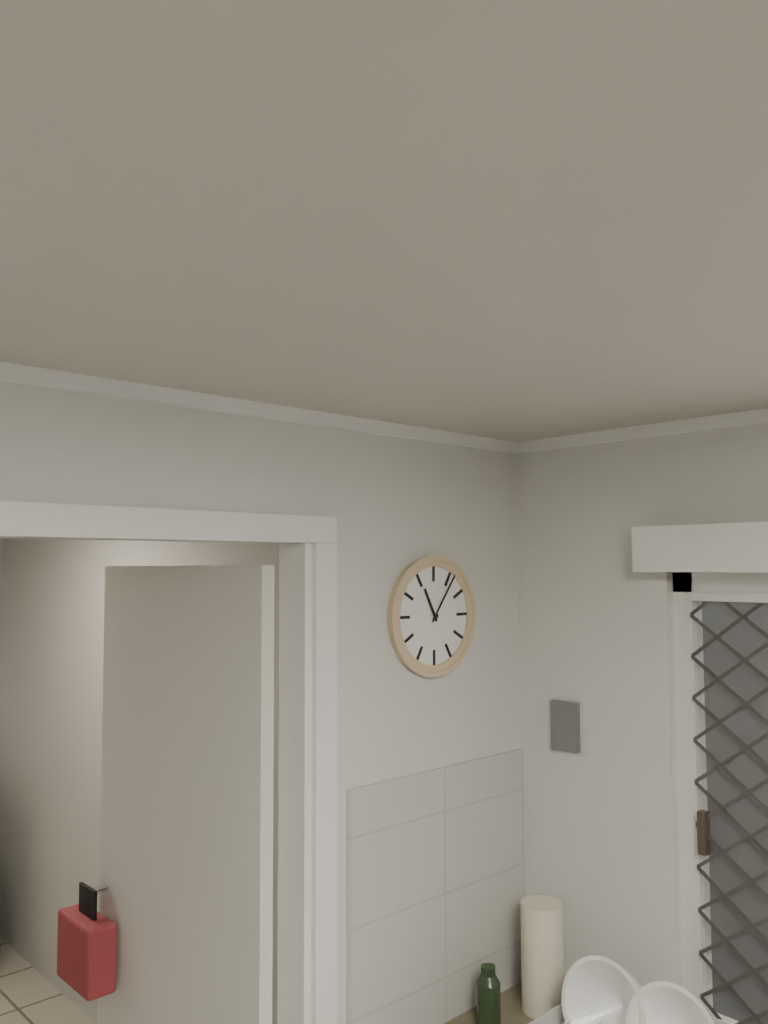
11:06
